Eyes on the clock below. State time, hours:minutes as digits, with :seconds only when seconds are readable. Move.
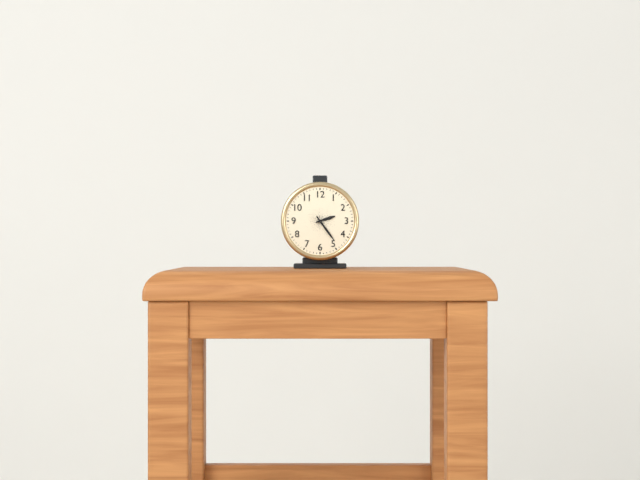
2:24
